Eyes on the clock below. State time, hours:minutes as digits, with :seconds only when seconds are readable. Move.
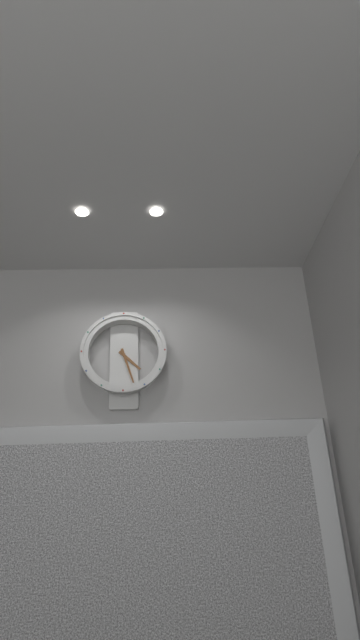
4:27
